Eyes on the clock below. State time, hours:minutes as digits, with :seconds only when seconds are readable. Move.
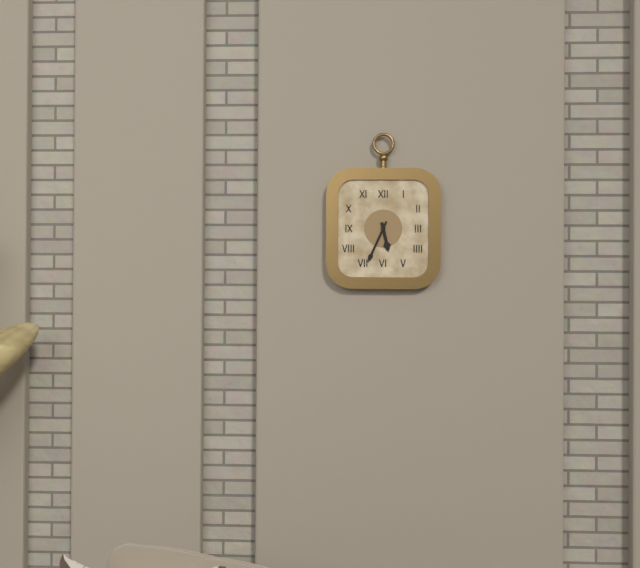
5:34
